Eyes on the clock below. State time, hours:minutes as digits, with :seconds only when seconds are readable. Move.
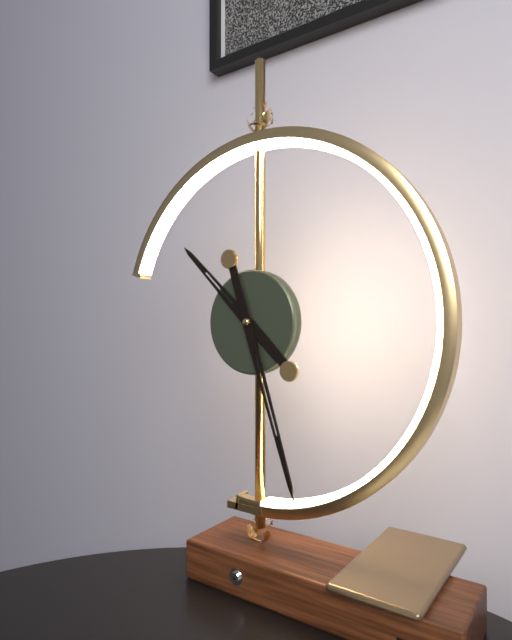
10:27
